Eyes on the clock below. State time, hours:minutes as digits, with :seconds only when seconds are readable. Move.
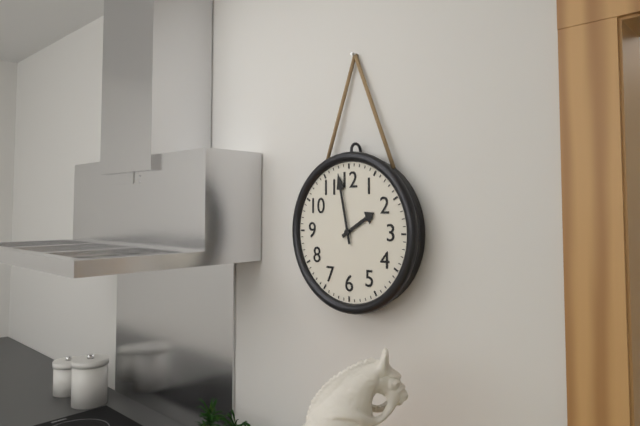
1:58
